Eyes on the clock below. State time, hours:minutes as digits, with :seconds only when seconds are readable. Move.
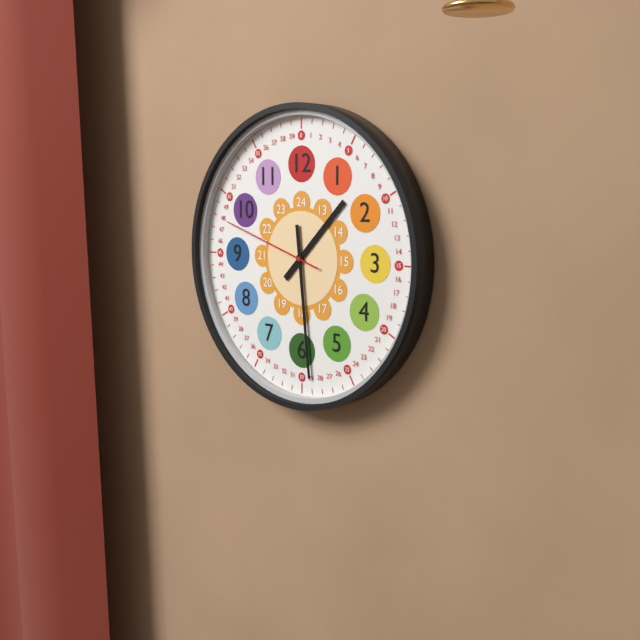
1:29:48
